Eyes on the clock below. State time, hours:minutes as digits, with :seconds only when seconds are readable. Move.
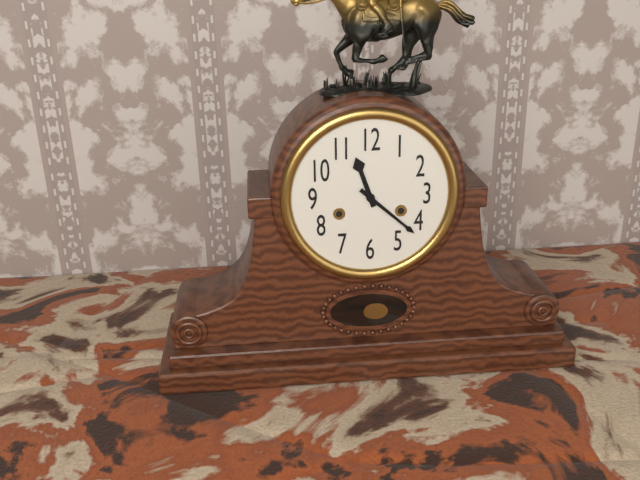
11:22
